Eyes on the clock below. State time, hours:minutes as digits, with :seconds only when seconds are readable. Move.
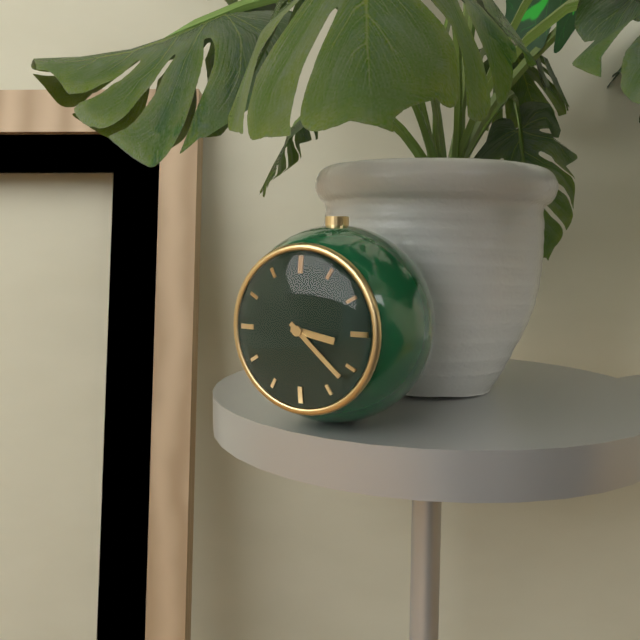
3:22
